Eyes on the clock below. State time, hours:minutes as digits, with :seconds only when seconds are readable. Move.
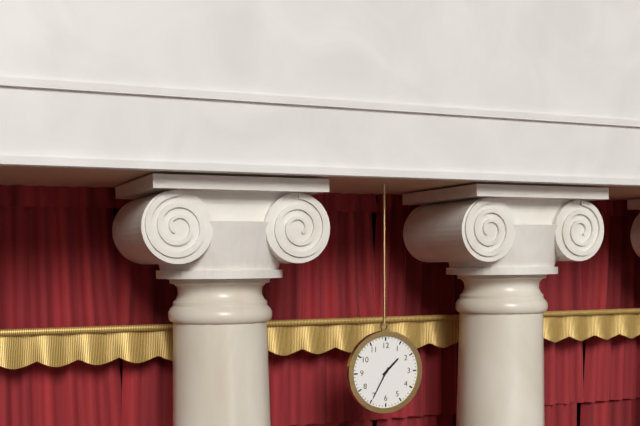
1:35
